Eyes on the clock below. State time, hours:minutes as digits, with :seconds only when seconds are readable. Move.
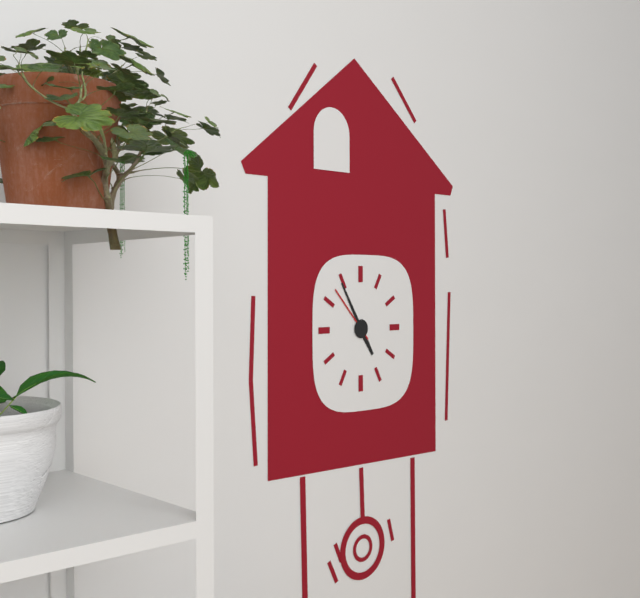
4:55:53
